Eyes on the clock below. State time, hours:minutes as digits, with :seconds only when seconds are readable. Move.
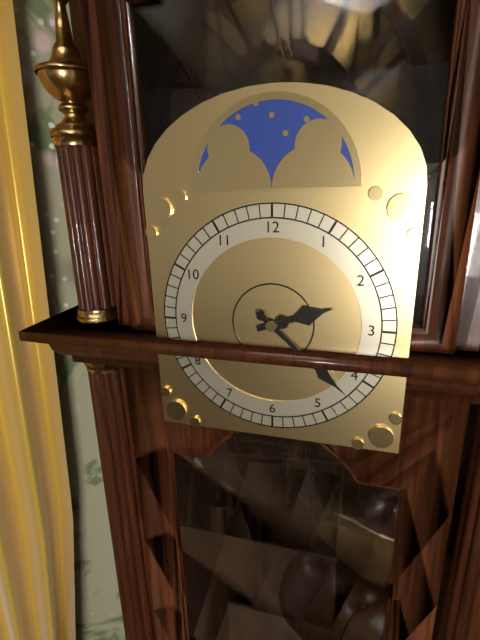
2:22
